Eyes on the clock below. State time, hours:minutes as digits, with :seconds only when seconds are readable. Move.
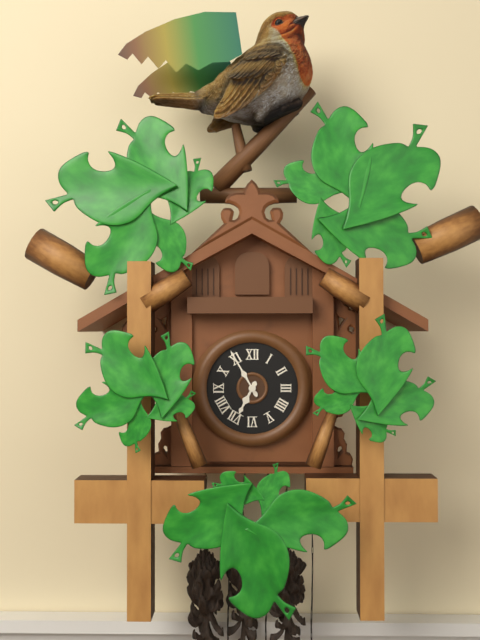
6:55
